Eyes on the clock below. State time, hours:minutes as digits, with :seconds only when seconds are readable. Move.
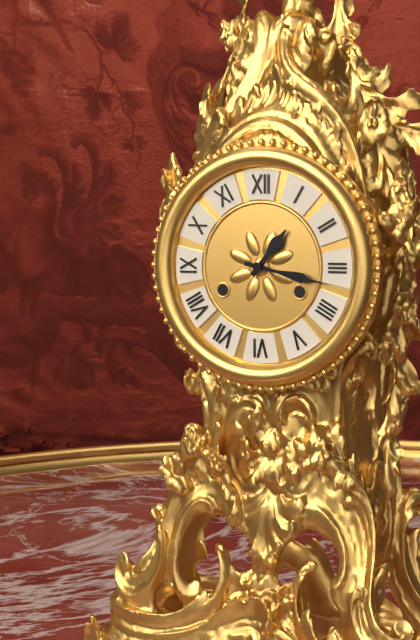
1:17
